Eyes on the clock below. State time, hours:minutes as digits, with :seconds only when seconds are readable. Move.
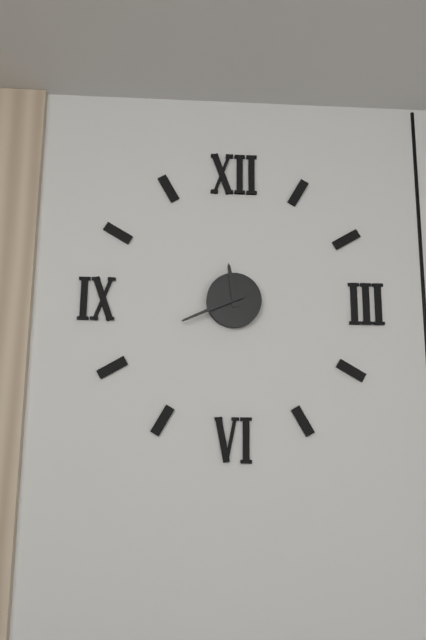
11:41
